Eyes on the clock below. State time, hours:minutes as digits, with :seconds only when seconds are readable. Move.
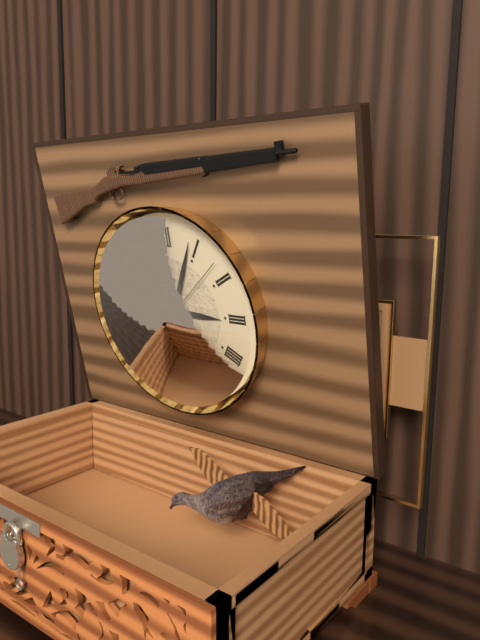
3:04:08
